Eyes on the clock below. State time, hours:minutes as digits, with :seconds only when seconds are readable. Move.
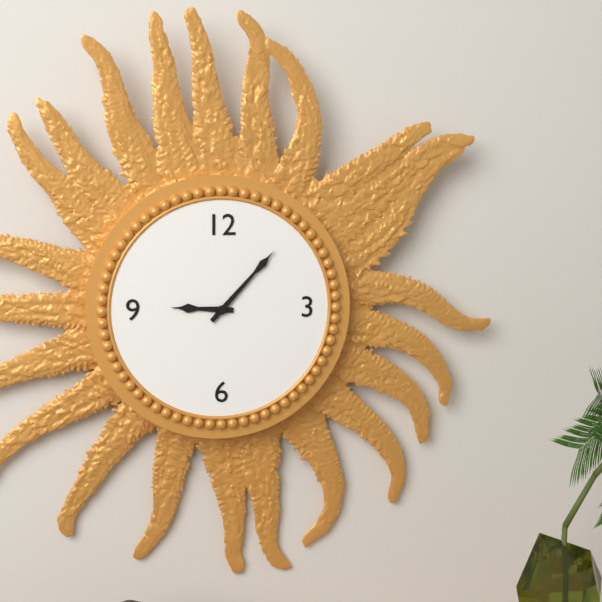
9:07
